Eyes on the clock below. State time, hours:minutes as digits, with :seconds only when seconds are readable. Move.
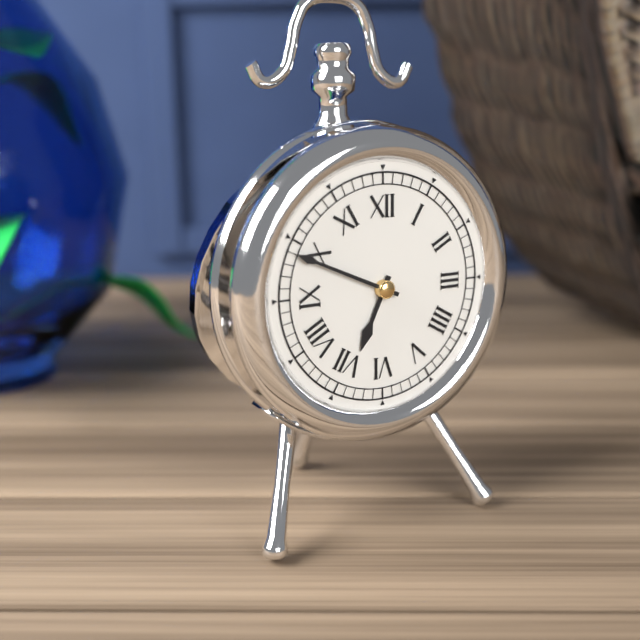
6:49
